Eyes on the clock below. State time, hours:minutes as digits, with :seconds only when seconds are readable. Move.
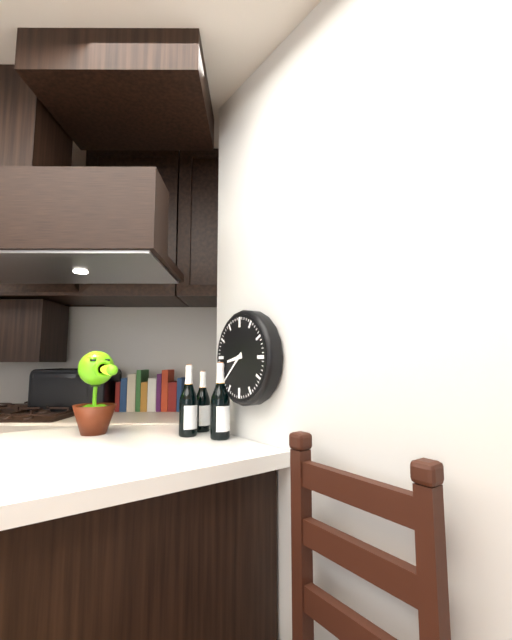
8:38
